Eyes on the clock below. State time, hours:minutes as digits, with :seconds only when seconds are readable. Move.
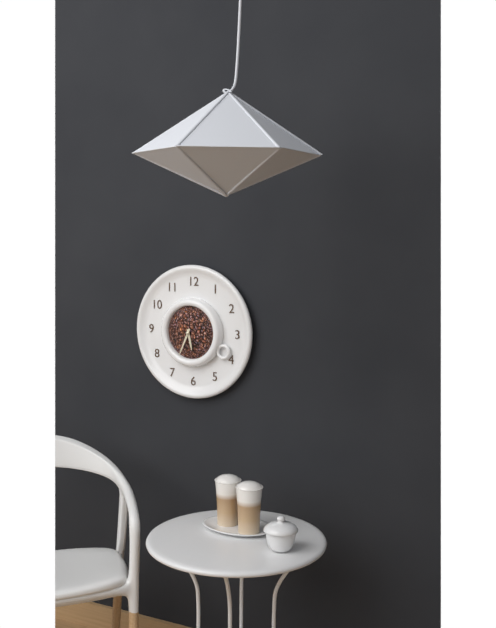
5:34
